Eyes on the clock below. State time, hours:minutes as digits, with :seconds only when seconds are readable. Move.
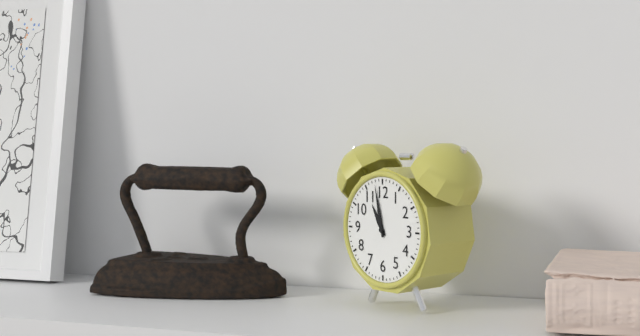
10:58
